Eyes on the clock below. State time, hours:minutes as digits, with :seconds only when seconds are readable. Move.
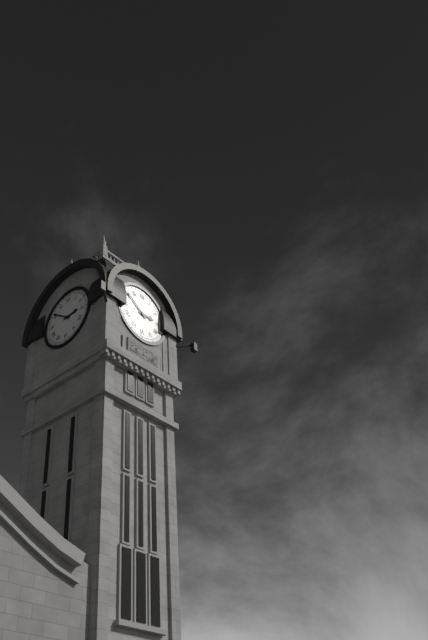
2:51
